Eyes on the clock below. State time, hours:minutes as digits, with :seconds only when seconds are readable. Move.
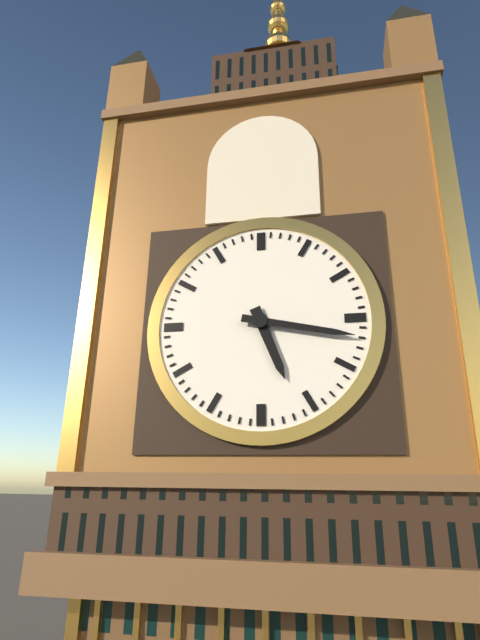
5:17
